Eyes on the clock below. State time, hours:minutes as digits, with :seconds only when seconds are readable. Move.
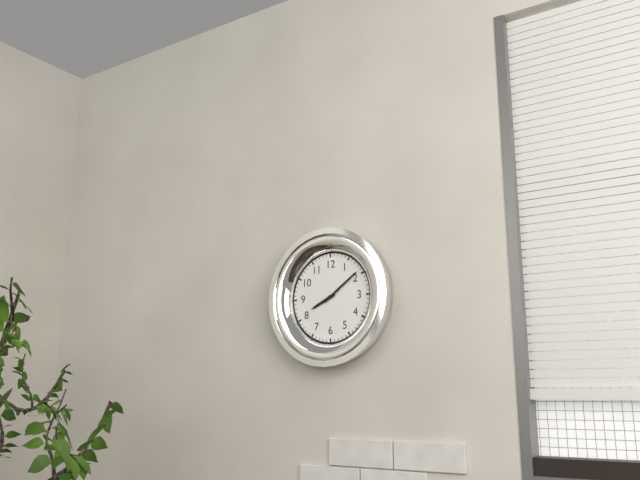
8:09
